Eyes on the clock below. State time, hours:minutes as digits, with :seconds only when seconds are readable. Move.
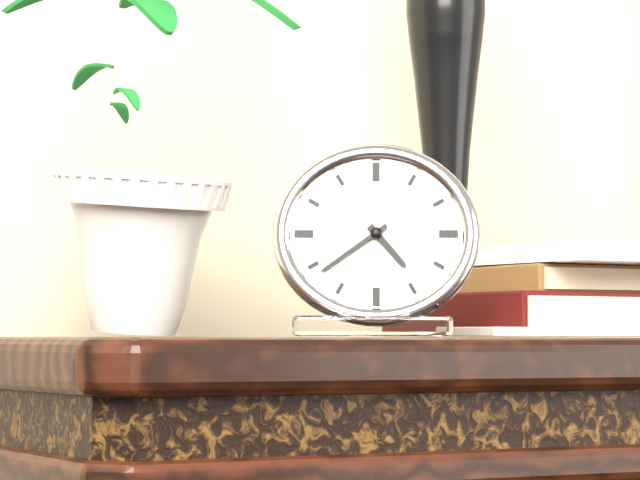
4:39
